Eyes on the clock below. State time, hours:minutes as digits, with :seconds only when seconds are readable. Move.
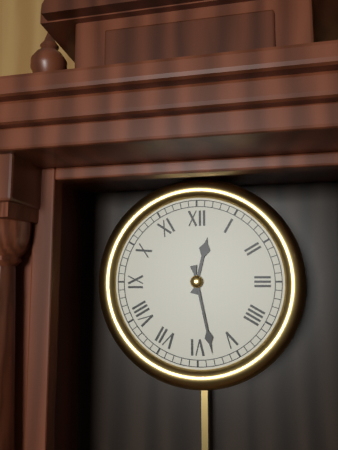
12:28
